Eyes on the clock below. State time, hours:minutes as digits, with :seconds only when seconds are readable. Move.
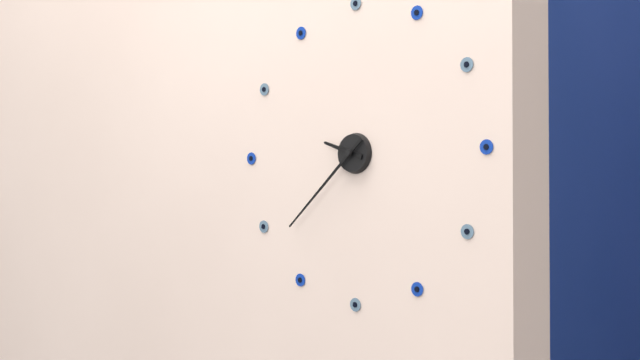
9:38
